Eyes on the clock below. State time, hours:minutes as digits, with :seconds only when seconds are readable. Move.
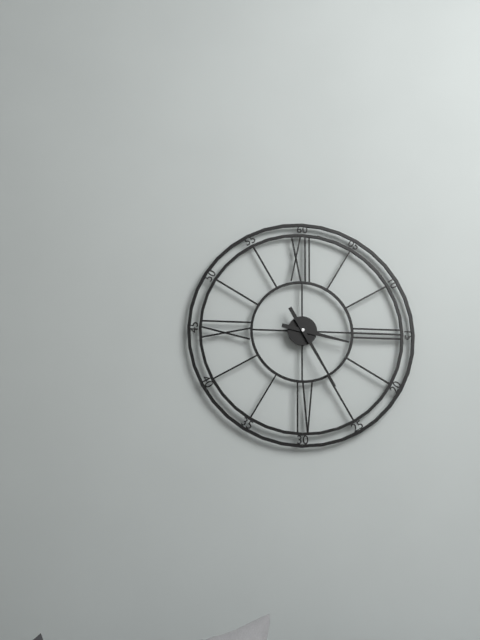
3:25
